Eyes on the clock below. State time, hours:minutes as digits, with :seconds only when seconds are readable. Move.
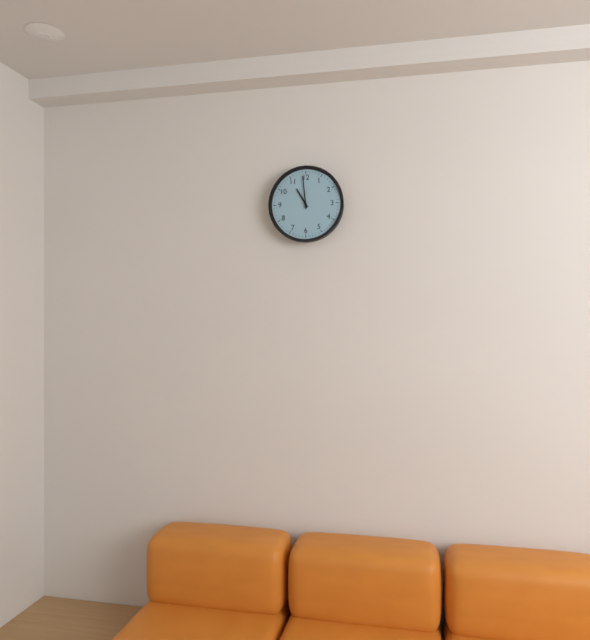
10:59
